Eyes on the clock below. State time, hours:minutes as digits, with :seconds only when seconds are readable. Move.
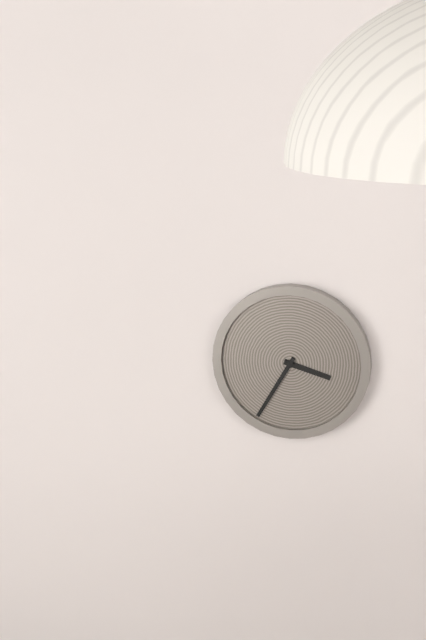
3:35
